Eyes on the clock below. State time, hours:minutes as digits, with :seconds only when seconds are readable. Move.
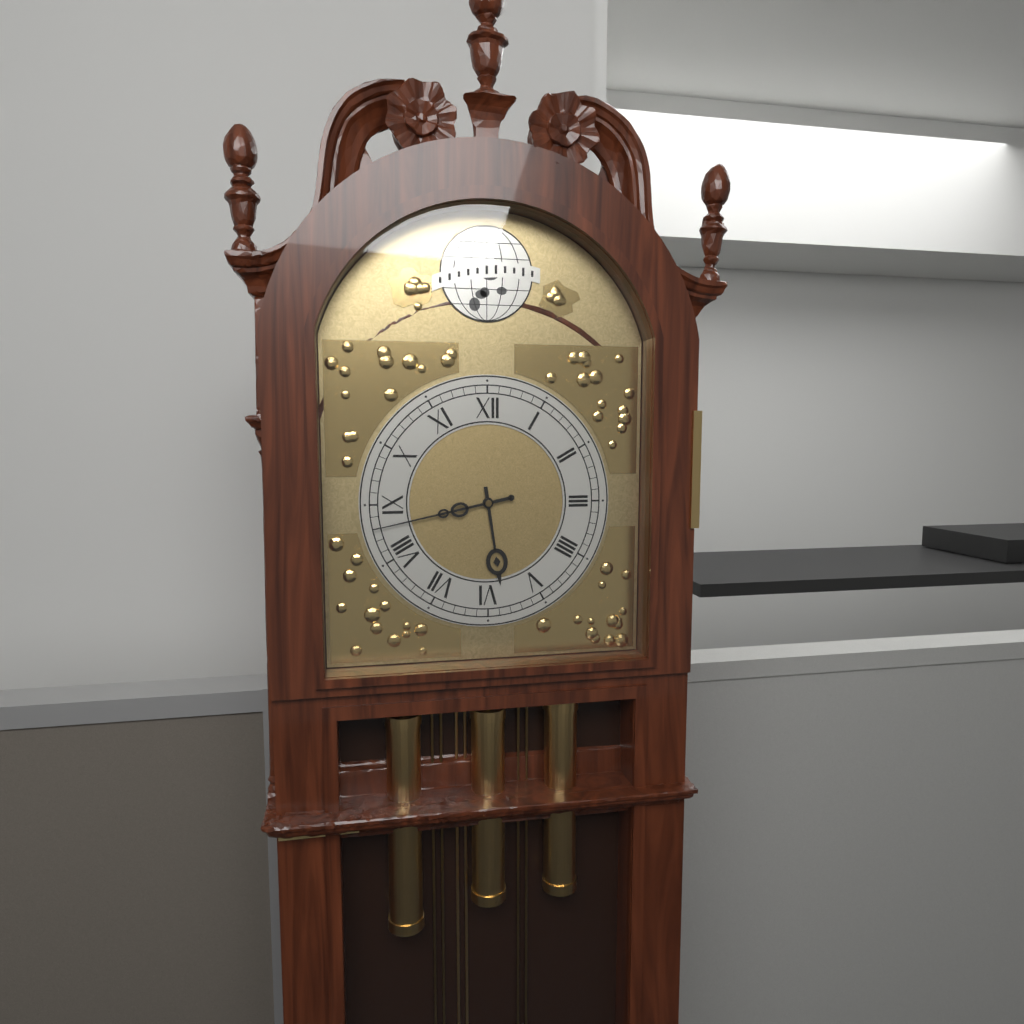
5:43
